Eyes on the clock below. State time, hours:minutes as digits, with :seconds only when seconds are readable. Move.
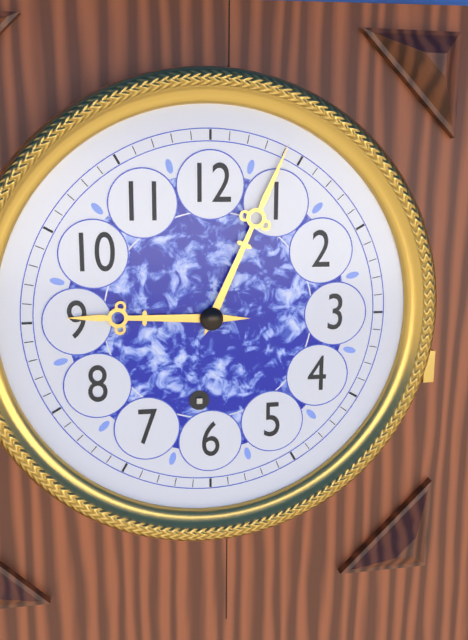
9:04
